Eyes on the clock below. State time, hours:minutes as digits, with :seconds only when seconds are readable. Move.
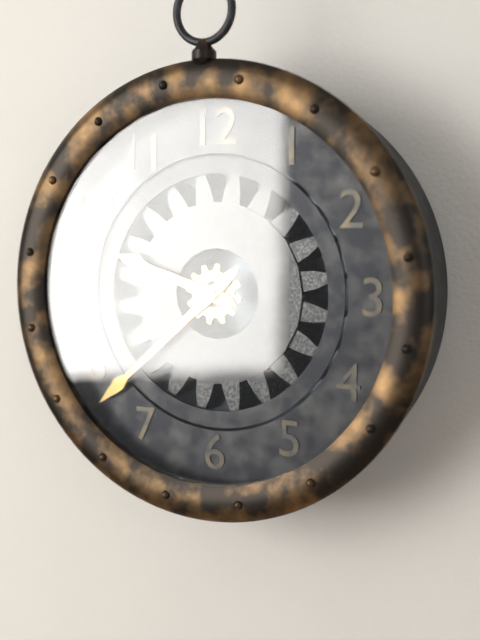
9:38
